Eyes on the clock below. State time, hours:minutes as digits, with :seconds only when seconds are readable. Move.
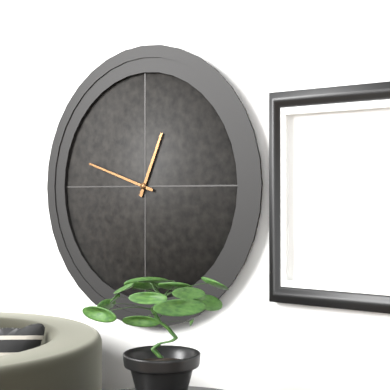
12:48
